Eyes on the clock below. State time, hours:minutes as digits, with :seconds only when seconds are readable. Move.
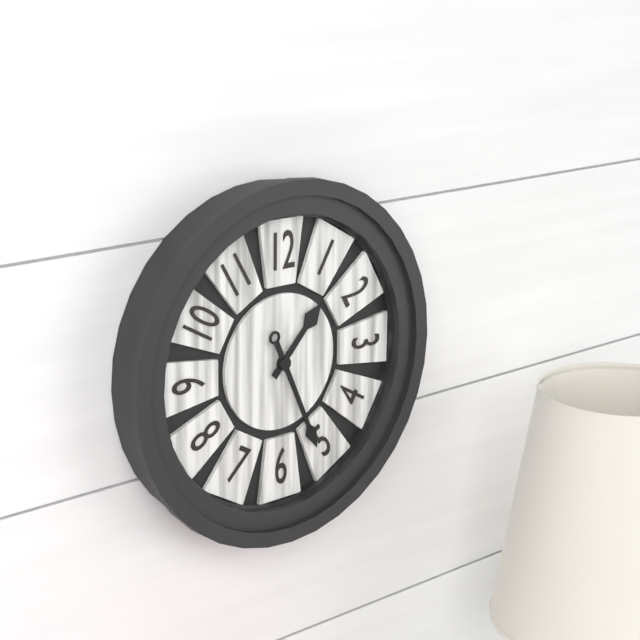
1:26
